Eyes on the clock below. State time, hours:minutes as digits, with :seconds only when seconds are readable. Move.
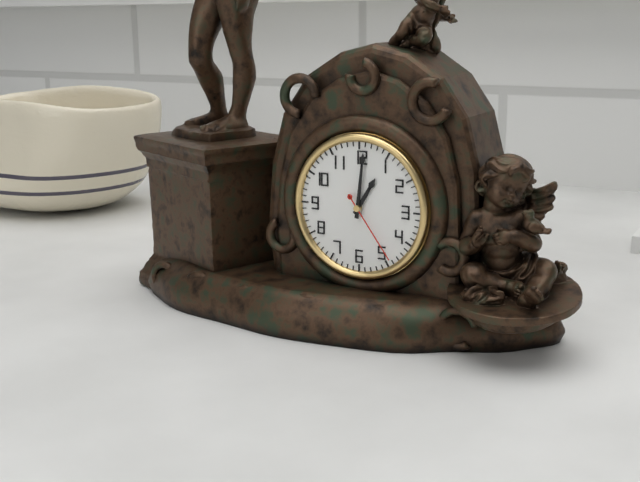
1:01:24
